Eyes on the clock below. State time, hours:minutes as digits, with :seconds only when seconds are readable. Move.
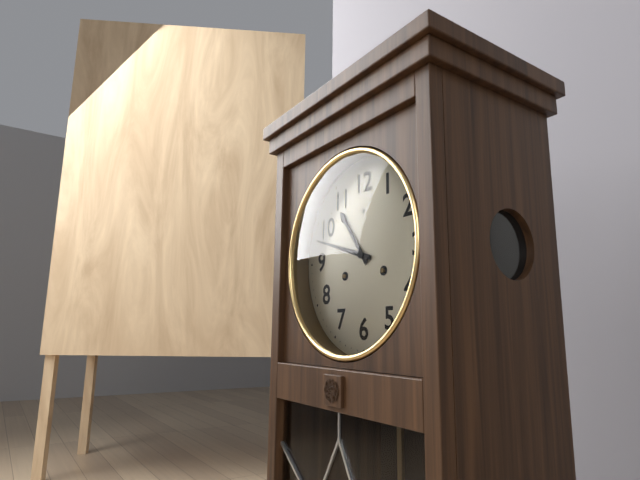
10:48
